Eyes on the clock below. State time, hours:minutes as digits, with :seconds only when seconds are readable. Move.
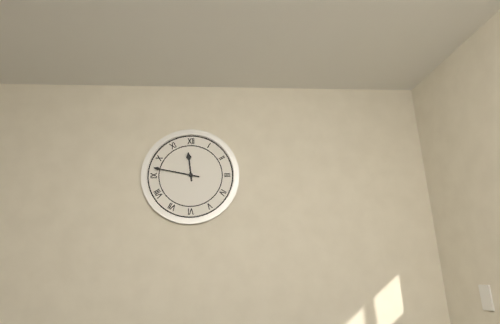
11:47
